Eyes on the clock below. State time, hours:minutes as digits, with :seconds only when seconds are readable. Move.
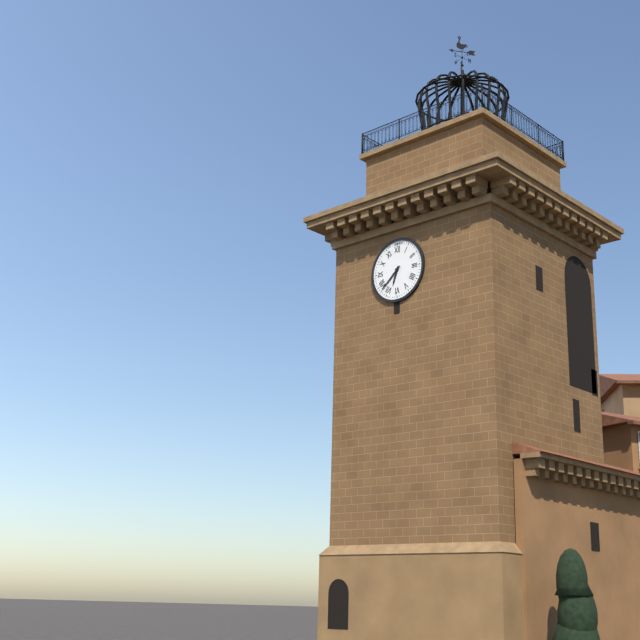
6:38
